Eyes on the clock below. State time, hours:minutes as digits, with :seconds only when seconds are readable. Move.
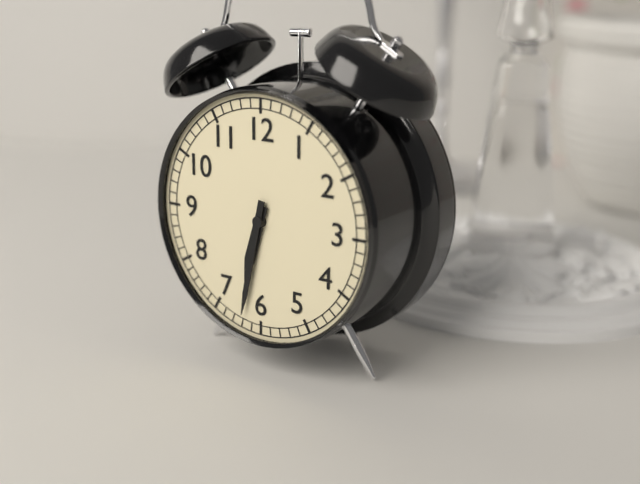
6:32
